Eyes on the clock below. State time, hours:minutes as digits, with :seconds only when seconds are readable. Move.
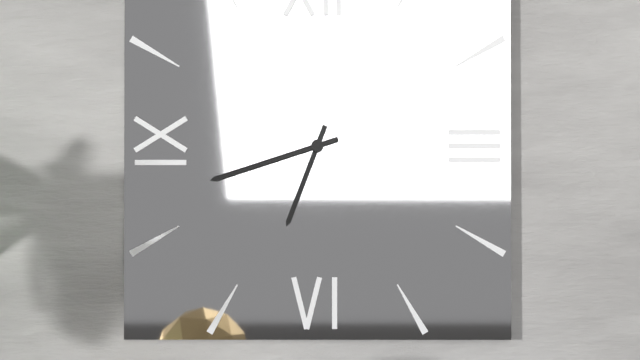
6:42
